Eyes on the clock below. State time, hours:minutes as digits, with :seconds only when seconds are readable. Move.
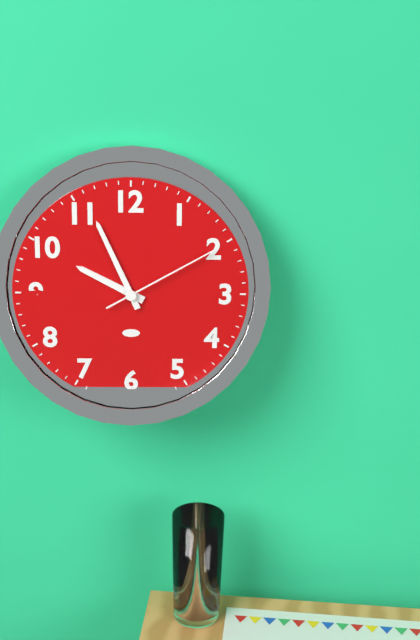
9:56:10
